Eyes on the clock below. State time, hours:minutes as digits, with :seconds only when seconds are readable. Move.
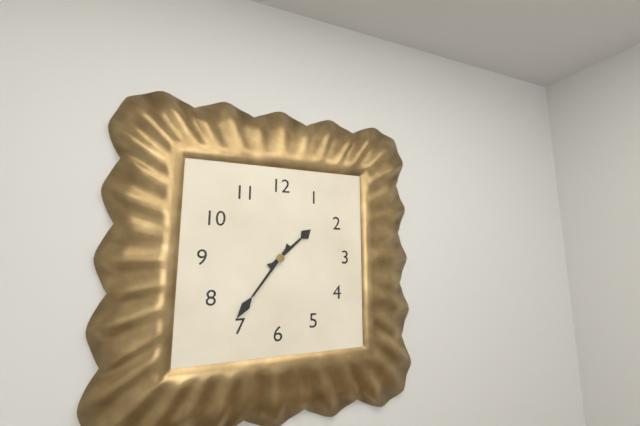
1:36
